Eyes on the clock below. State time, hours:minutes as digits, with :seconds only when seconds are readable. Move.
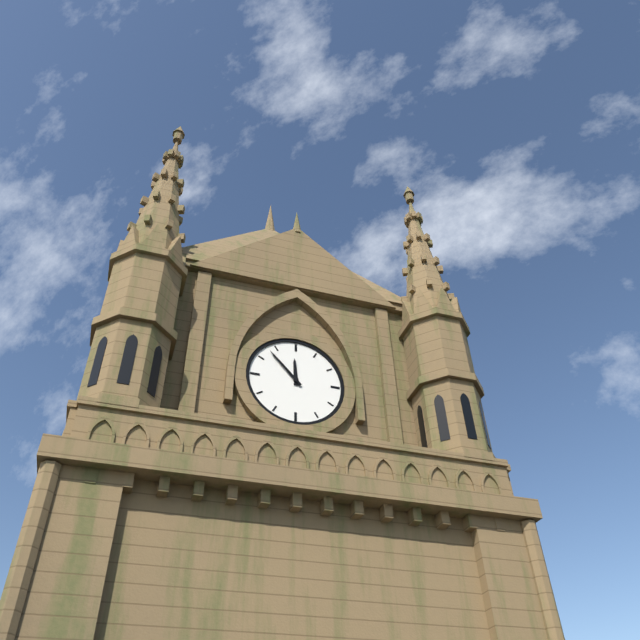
11:53
